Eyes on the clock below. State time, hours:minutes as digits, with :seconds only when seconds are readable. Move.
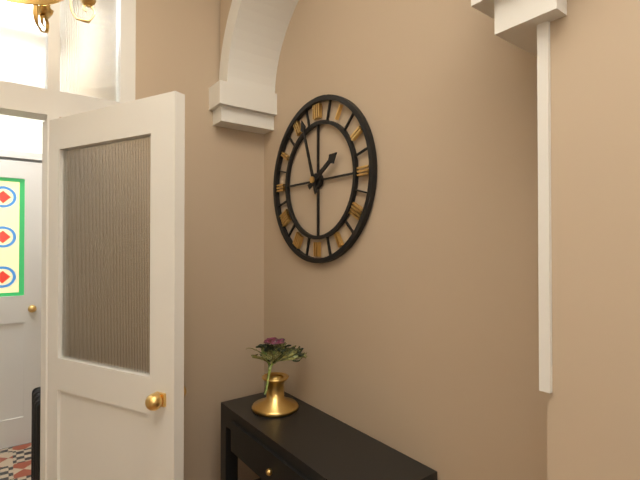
1:57
